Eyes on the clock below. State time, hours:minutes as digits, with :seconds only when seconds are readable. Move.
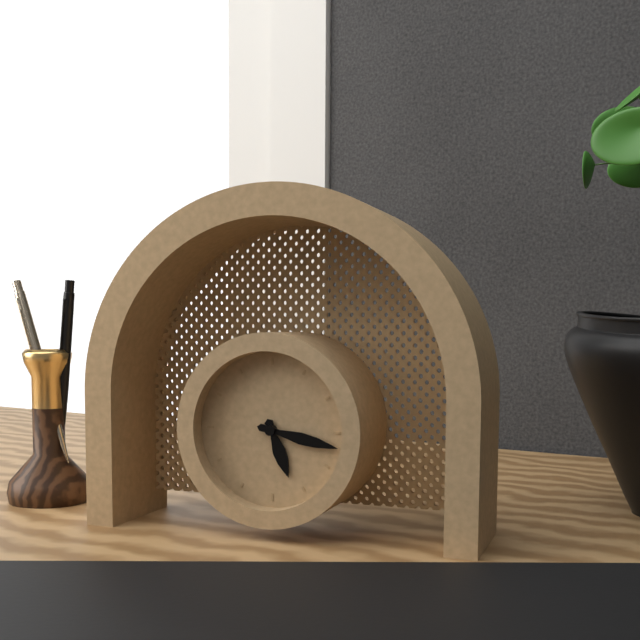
5:17
